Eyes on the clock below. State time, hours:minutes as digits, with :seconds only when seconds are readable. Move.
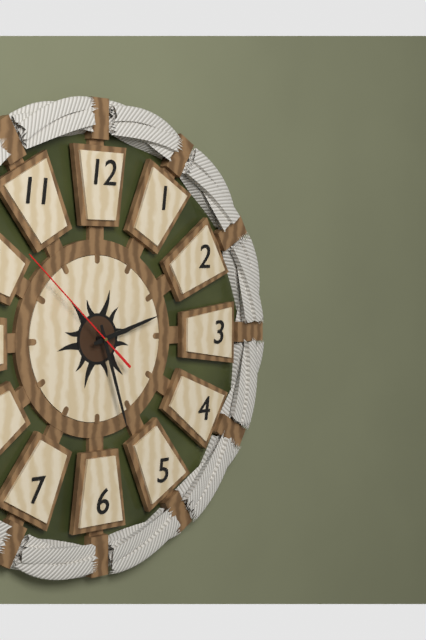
2:27:52
